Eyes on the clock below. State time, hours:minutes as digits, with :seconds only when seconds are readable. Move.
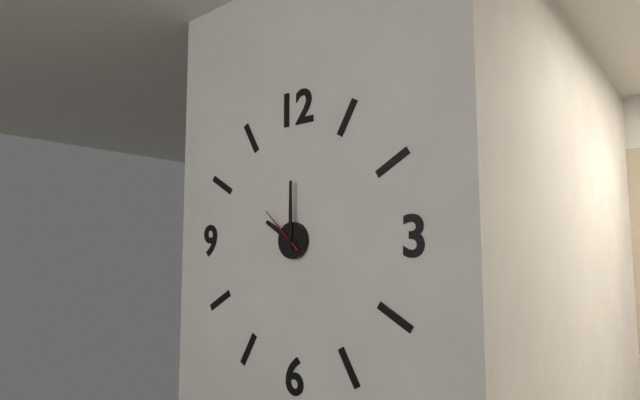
10:00
